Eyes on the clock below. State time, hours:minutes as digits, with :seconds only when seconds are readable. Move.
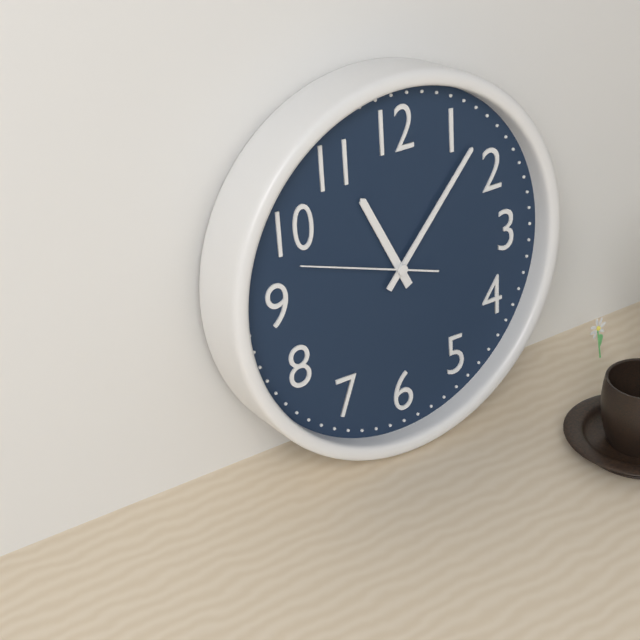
11:07:48
